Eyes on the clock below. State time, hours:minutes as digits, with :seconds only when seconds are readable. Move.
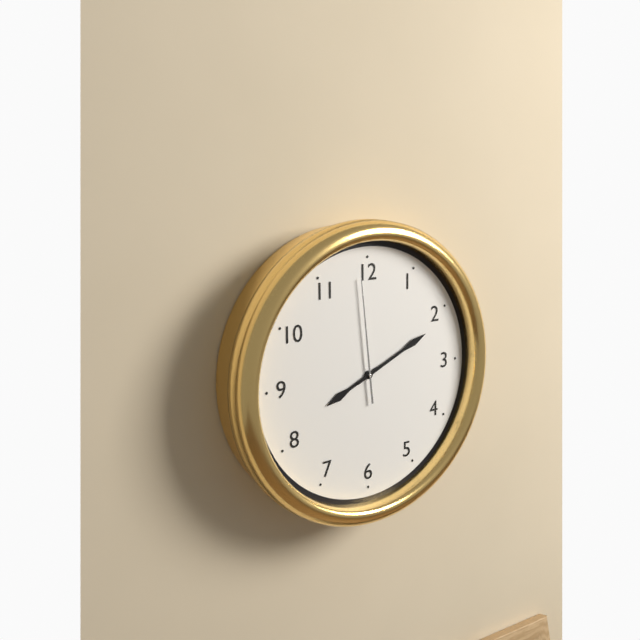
8:11:59
